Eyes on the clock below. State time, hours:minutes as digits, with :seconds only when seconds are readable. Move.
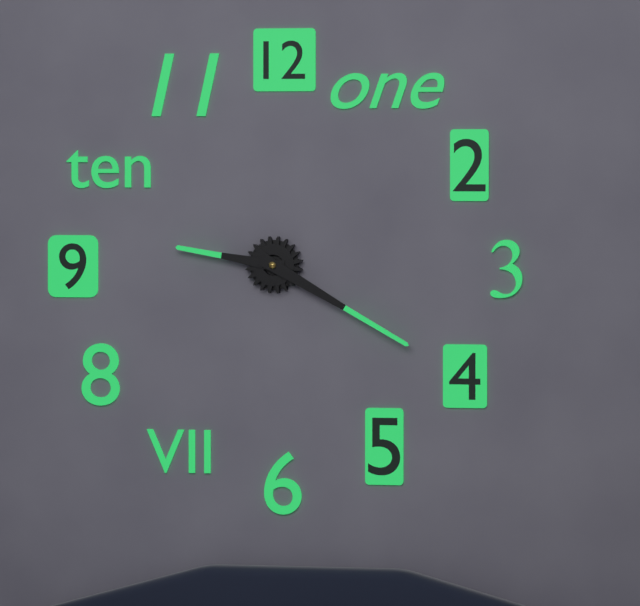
9:20
